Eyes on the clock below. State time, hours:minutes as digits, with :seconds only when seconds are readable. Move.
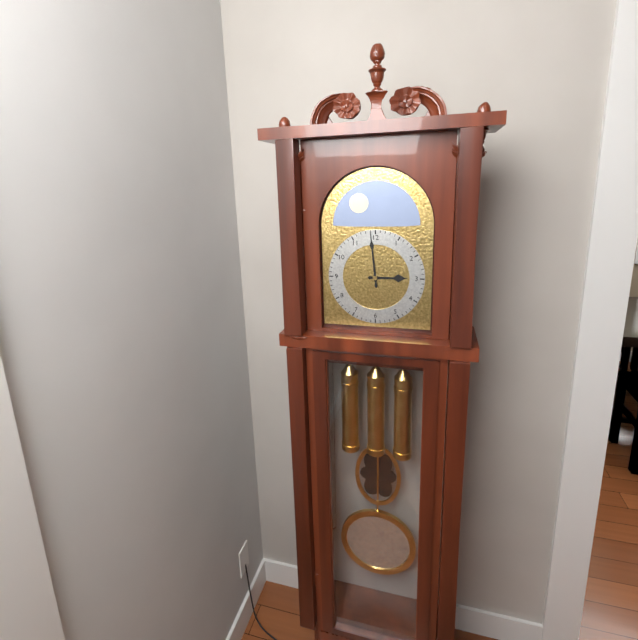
2:59
